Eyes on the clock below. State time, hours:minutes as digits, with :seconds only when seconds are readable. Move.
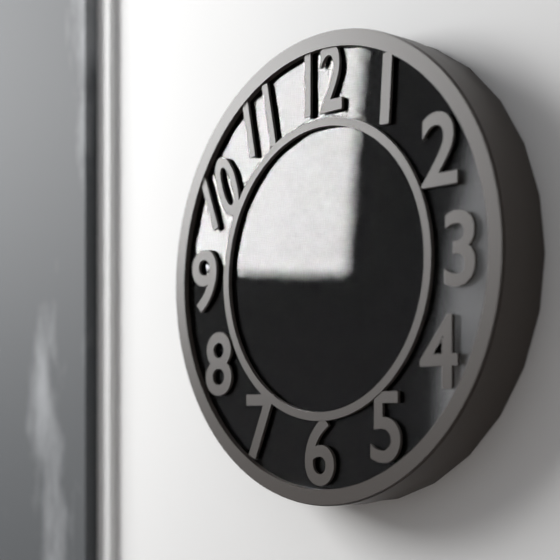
5:19
